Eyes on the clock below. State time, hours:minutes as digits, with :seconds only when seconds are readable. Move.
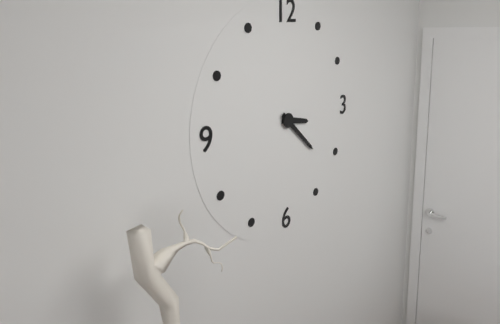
3:22
